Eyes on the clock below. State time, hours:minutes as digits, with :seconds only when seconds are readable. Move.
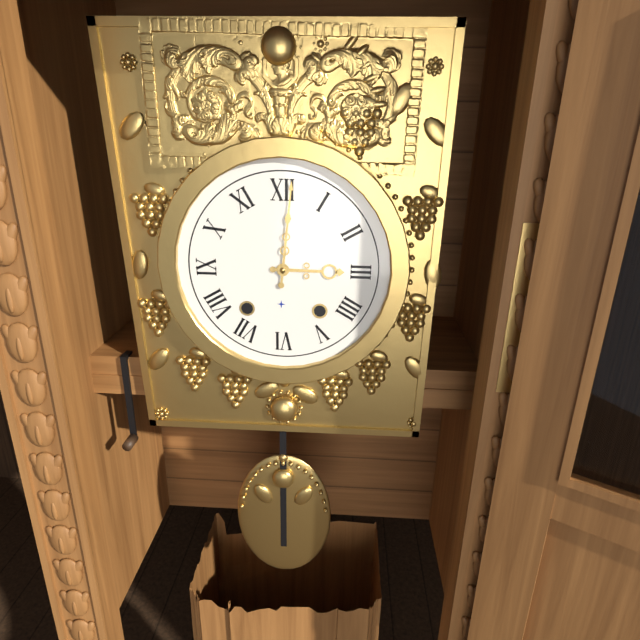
3:01
